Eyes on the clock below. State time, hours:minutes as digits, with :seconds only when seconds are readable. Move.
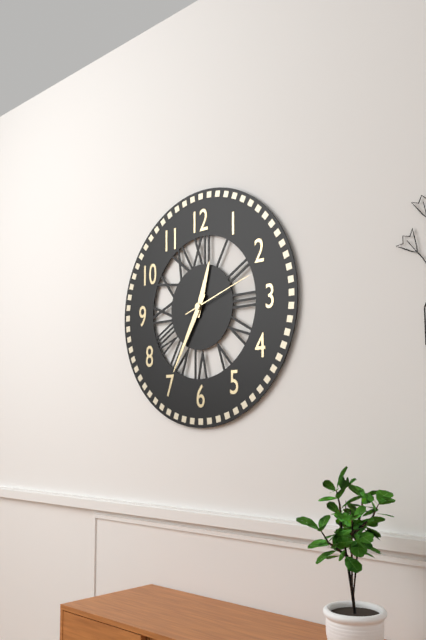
12:35:12
